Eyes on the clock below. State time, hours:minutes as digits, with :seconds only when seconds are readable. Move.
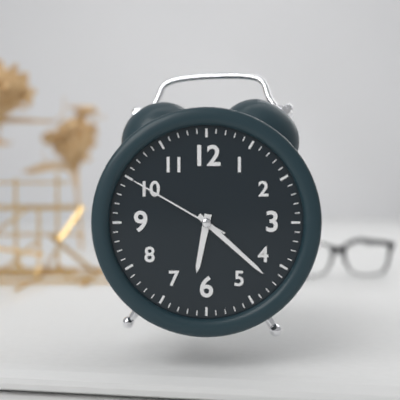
6:22:50
